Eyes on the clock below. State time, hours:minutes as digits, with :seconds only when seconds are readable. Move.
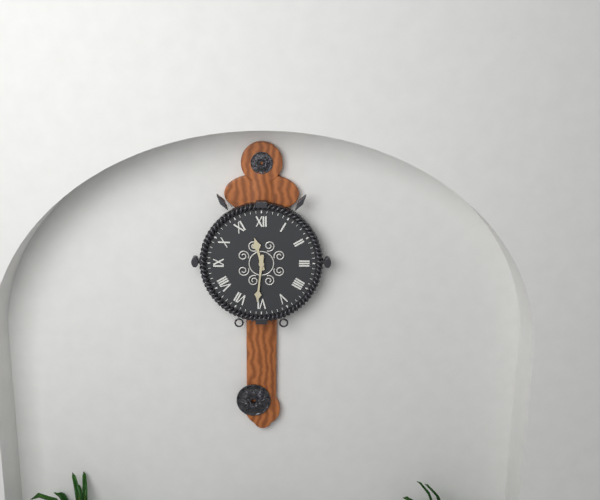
11:31
